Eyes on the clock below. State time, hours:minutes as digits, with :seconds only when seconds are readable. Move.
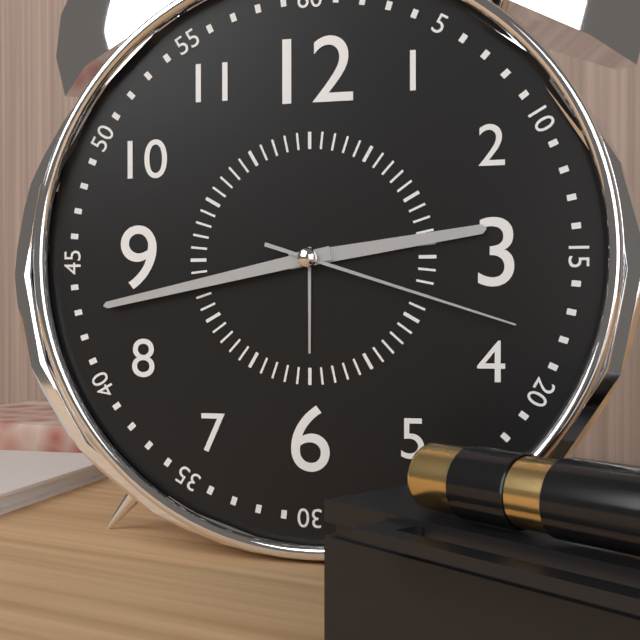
2:43:18
